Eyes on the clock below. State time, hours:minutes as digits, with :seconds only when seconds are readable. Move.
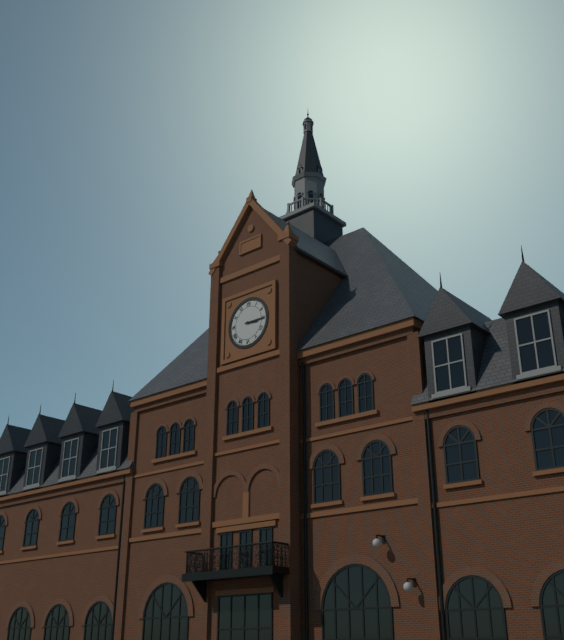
3:15
